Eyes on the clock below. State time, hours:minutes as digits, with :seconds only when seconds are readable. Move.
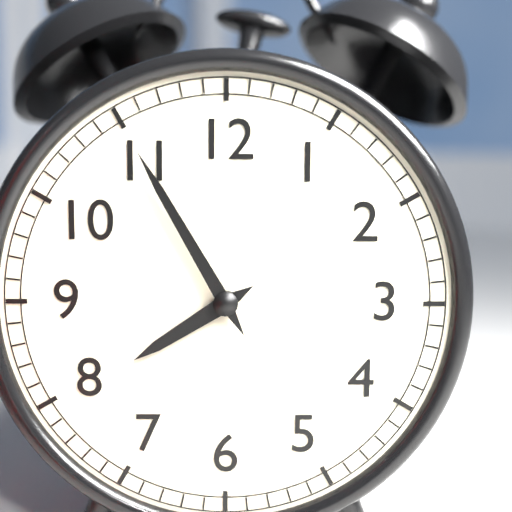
7:55
